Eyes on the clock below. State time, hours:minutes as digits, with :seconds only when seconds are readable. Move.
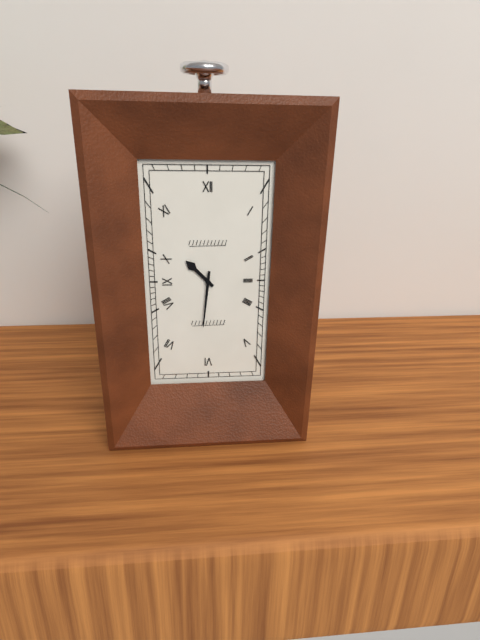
10:31
